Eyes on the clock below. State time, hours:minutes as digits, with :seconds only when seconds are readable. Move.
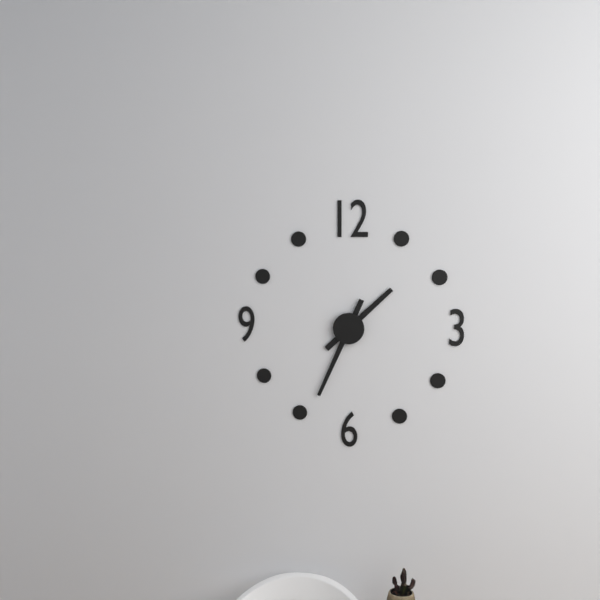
1:34
